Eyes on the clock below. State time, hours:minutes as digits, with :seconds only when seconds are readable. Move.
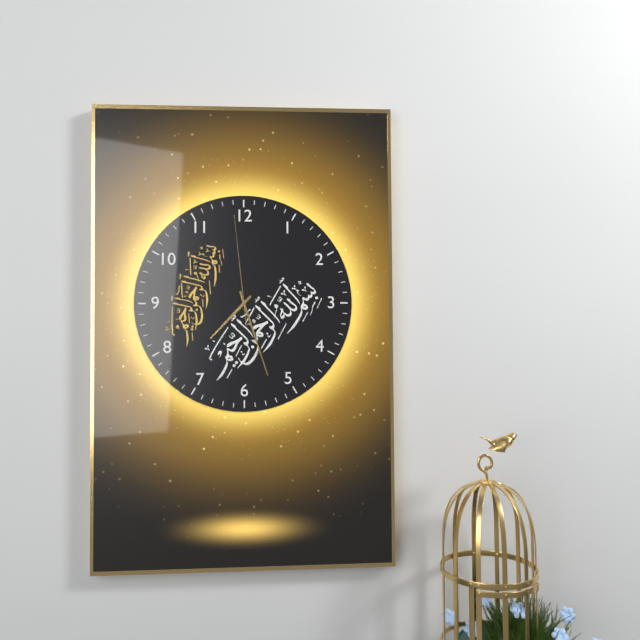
7:27:59
